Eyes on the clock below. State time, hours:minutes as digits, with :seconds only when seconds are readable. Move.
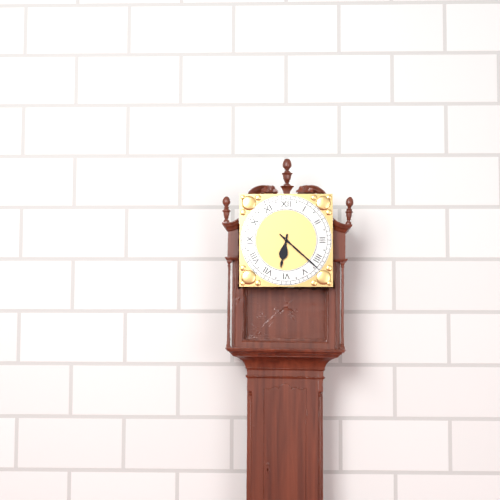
6:22
